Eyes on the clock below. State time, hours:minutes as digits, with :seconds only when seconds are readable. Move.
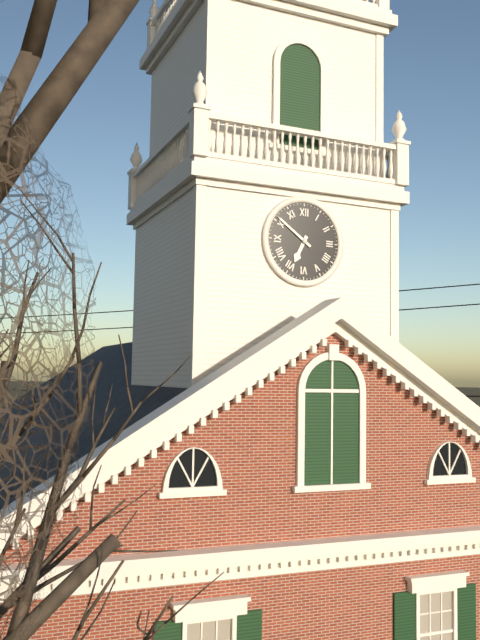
6:51
